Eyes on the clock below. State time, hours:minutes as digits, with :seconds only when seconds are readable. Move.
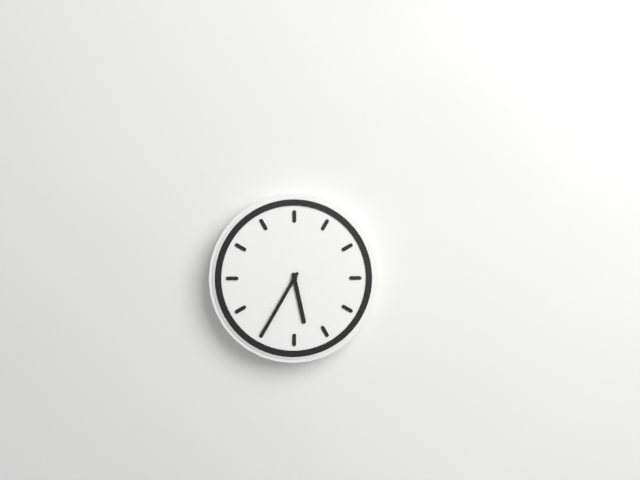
5:35
